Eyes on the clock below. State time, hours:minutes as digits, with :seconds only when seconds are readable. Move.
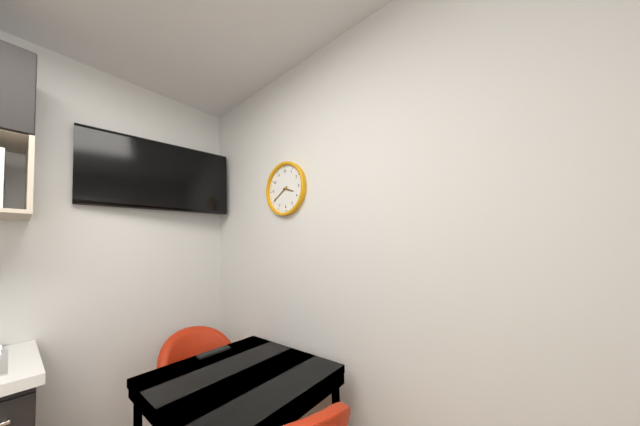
3:40
